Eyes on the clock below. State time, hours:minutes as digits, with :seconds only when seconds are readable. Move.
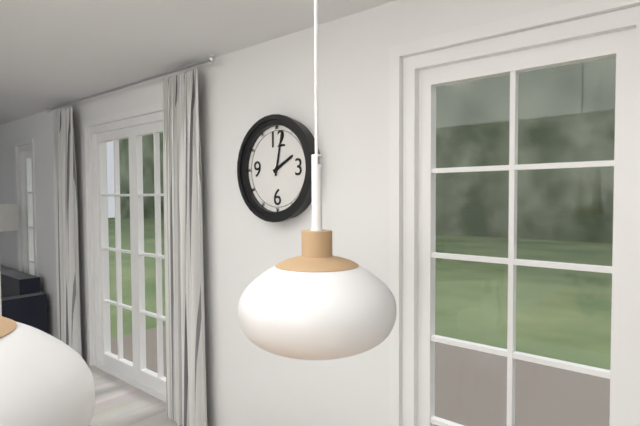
2:02
